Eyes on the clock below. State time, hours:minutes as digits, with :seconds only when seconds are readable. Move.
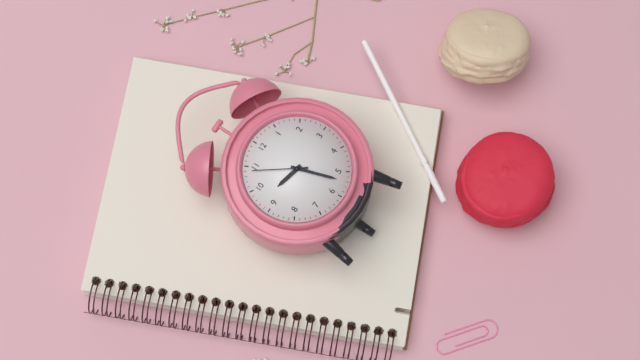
9:27:54
